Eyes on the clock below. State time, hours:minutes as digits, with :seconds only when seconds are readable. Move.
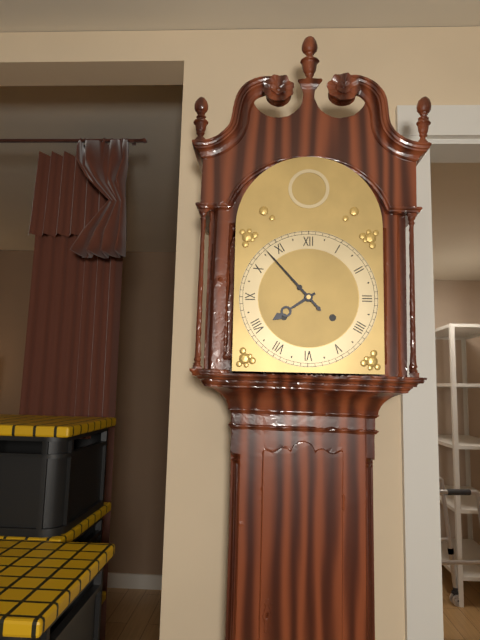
7:53
